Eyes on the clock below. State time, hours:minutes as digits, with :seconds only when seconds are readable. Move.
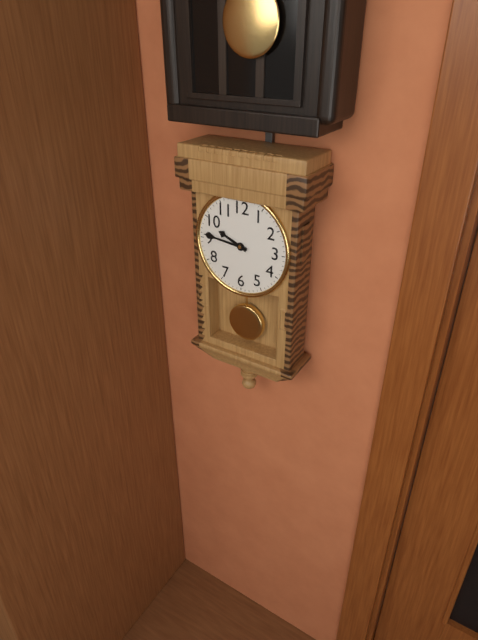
9:46
